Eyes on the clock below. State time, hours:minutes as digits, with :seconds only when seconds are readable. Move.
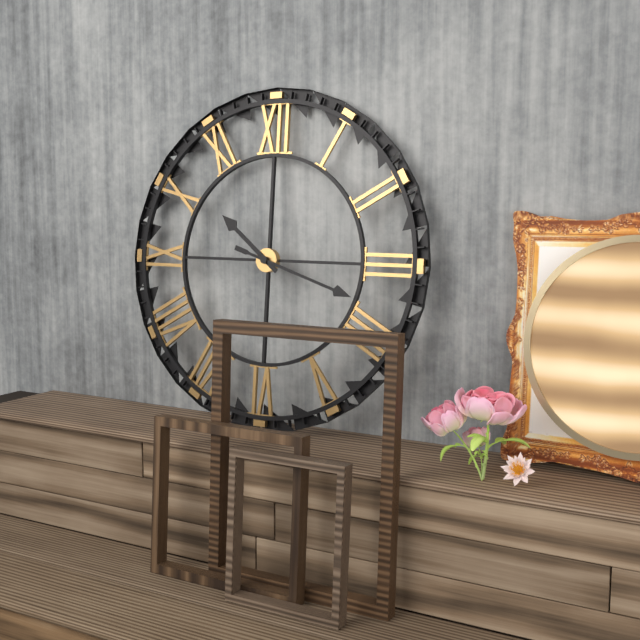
10:18
